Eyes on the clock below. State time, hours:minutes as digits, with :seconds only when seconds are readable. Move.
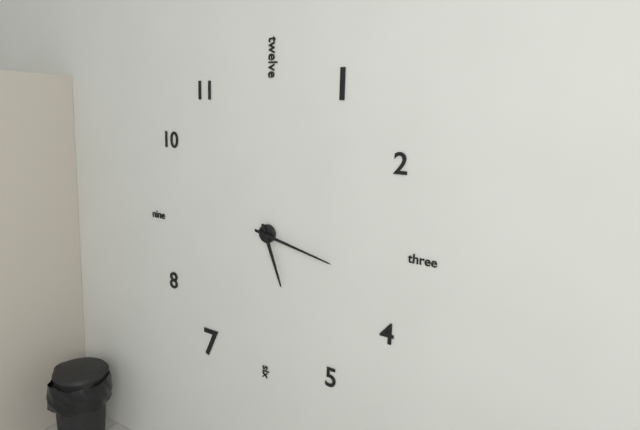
5:17
